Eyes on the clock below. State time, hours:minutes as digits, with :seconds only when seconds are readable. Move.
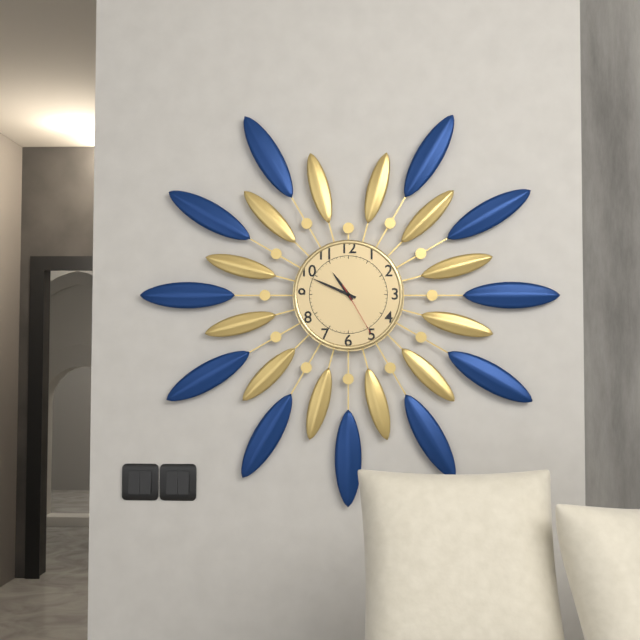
10:49:25
